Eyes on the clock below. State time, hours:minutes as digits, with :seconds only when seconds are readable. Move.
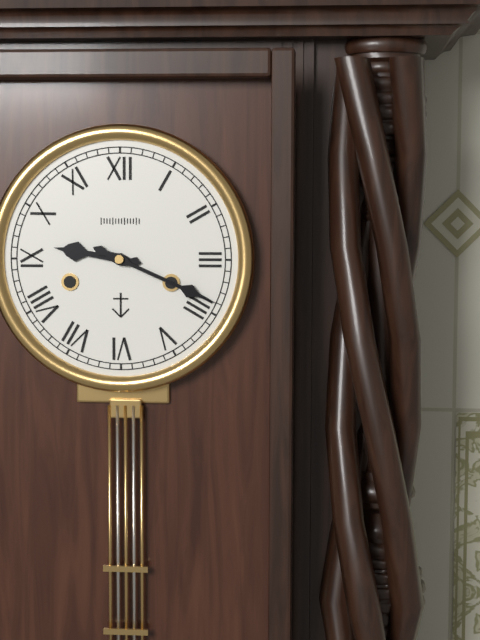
9:19
